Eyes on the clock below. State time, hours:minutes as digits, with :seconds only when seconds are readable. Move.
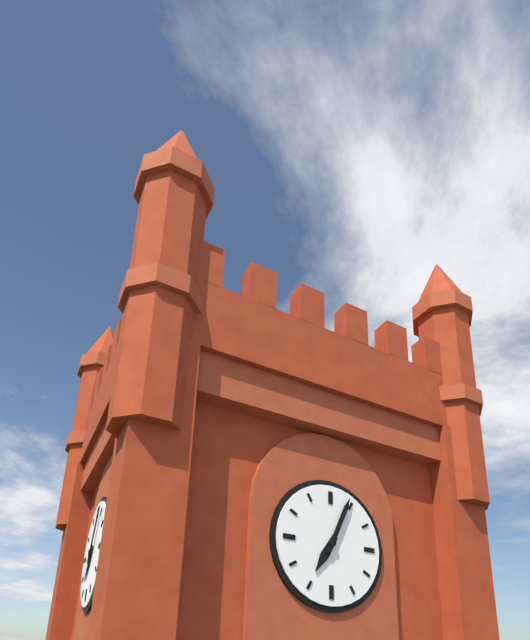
7:04
